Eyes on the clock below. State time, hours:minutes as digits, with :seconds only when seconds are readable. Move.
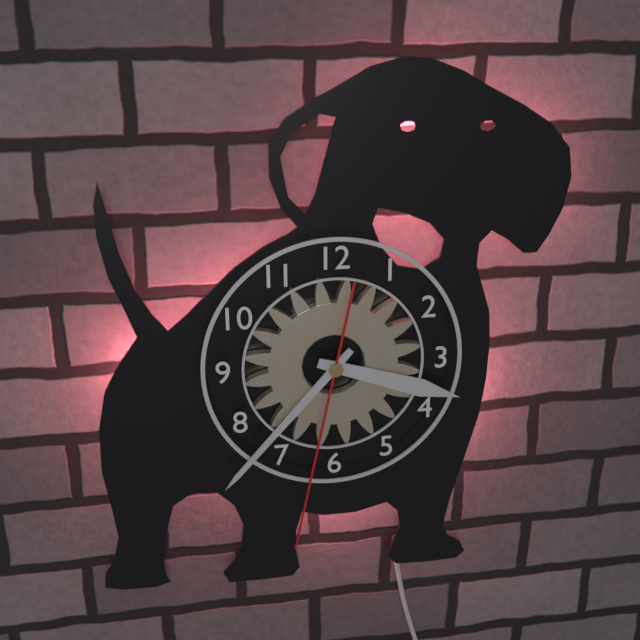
3:37:32
